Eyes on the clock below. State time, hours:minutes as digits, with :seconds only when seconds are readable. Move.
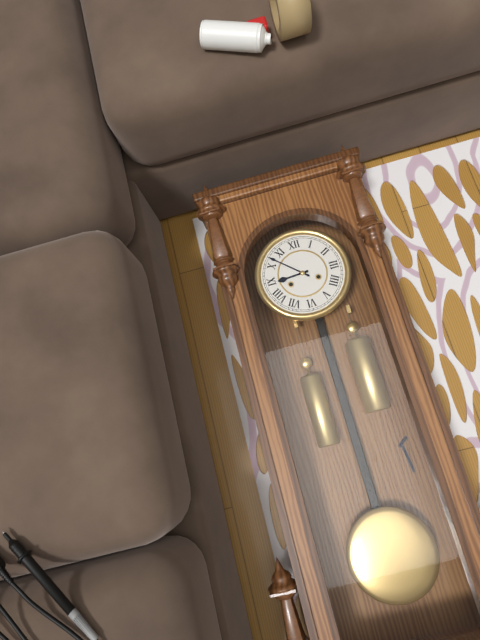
8:52
